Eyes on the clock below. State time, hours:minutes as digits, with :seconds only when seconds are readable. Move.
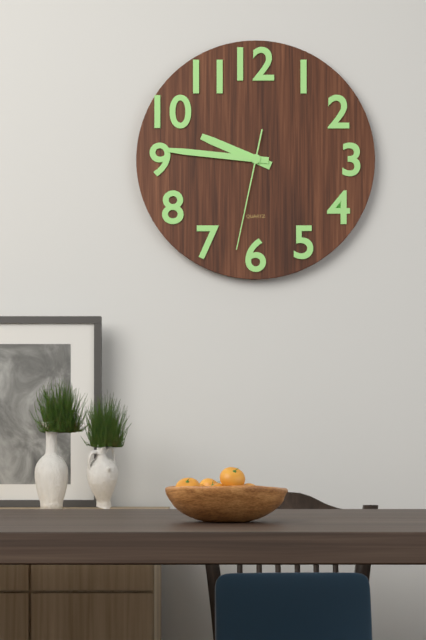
9:46:32
